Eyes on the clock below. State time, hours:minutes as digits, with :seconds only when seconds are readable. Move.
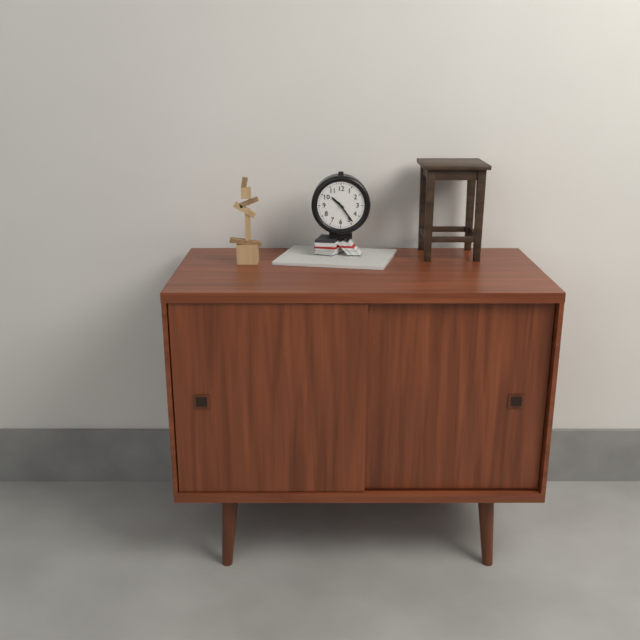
10:24
